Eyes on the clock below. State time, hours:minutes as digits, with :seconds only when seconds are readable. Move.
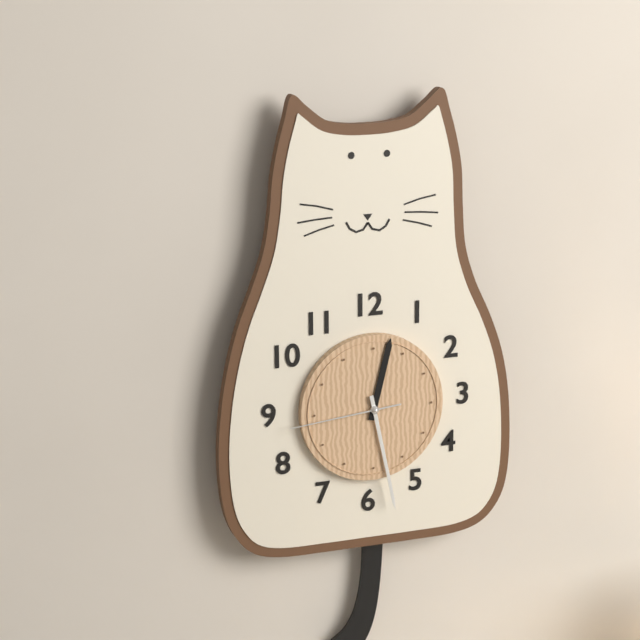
12:28:44
